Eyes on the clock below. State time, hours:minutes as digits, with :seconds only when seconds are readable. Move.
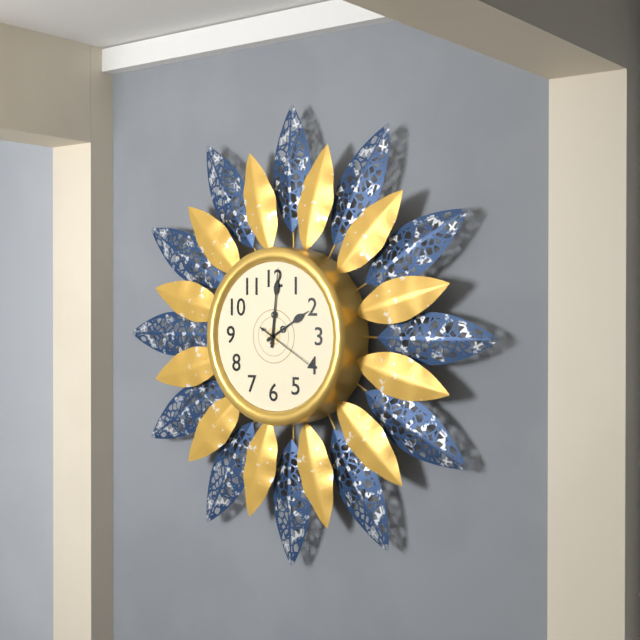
2:01:20
